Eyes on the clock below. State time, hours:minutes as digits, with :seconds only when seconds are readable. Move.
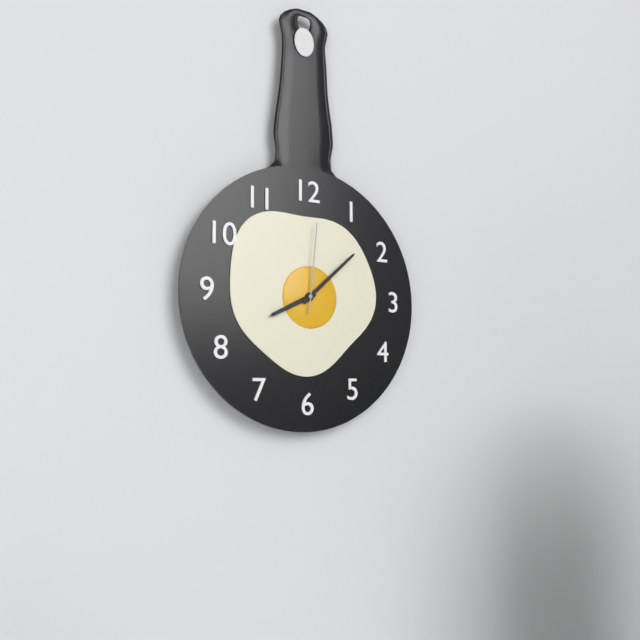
8:08:01
